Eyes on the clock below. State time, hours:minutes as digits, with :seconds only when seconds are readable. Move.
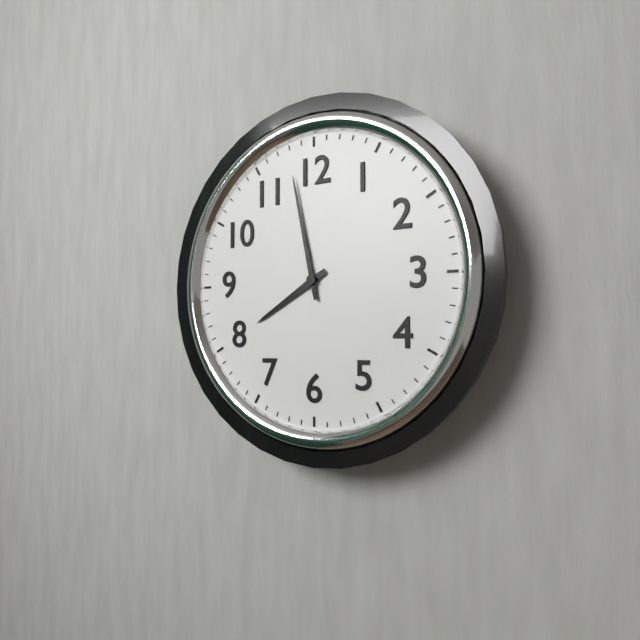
7:58
